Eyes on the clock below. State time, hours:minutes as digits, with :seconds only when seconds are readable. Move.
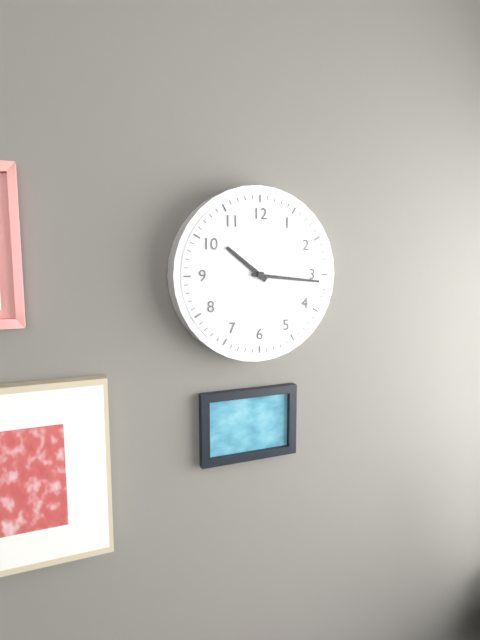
10:16
